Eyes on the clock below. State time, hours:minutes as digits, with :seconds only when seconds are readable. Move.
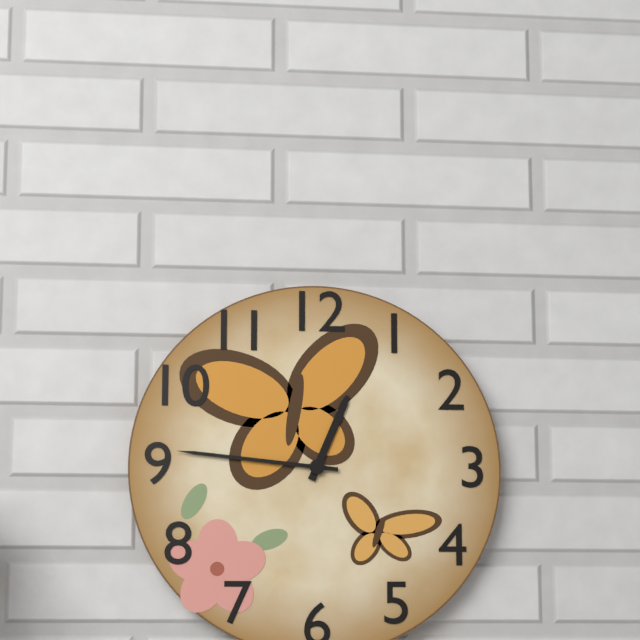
12:46
